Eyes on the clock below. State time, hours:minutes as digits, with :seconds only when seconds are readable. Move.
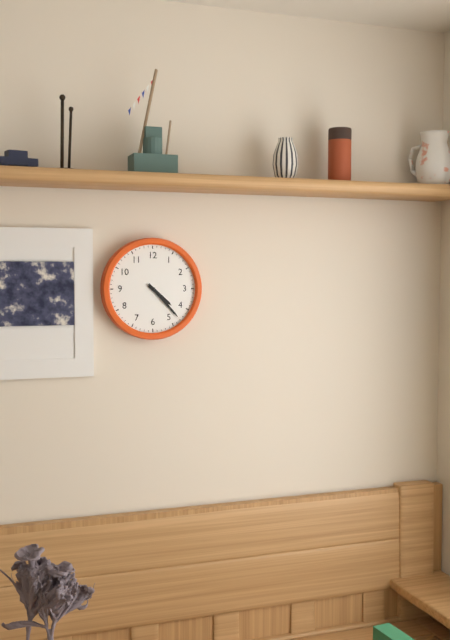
4:23
